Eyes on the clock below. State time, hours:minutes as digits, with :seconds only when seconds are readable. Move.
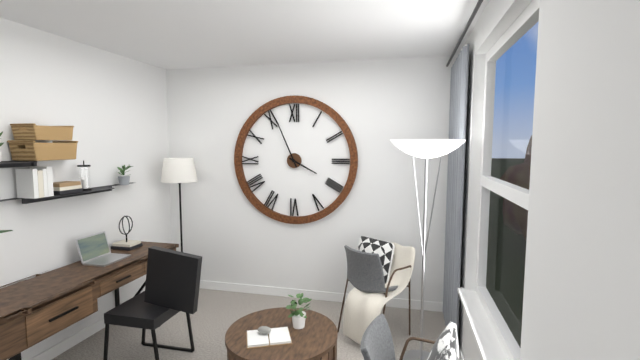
3:56
